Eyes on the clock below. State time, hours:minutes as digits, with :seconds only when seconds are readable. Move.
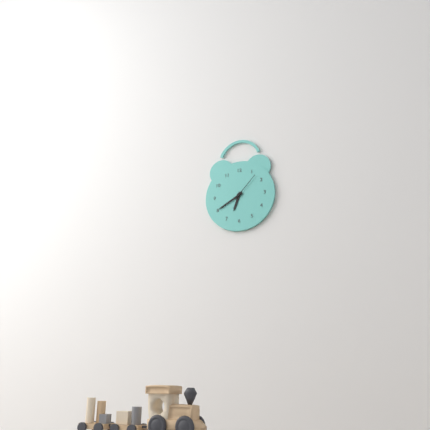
6:40
